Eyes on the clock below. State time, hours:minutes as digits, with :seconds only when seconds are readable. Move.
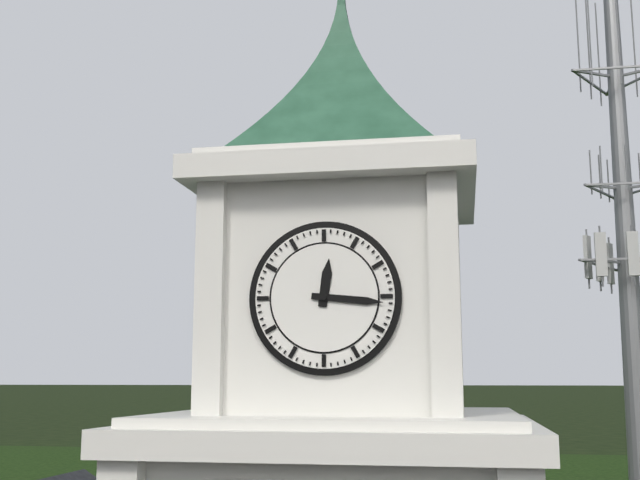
12:16
